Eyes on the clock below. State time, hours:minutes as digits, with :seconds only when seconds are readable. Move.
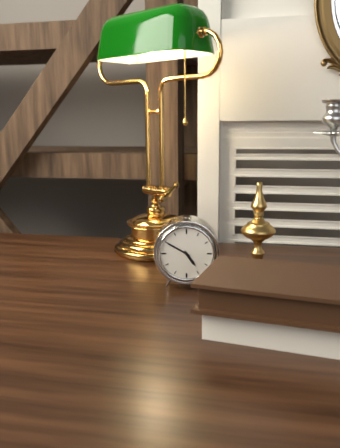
4:50
